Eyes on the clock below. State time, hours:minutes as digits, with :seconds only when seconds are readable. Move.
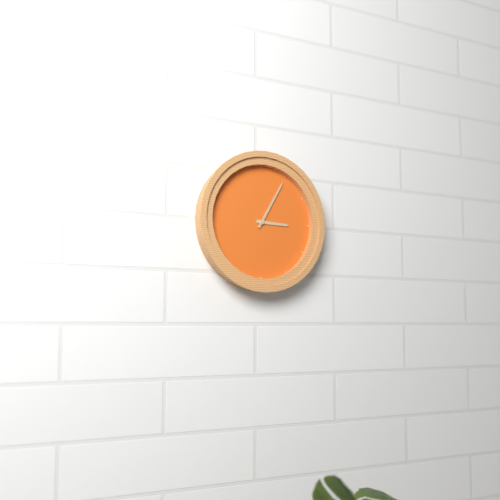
3:05
